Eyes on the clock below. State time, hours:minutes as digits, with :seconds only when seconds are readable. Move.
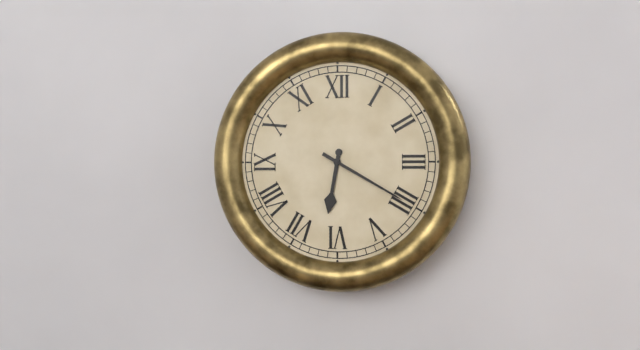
6:20
